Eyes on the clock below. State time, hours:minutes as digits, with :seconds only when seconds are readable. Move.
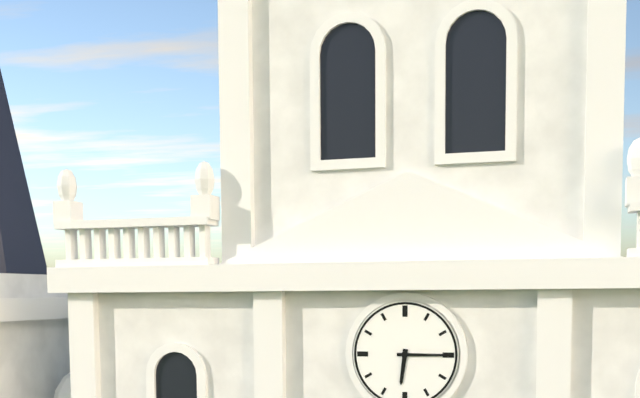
6:15
